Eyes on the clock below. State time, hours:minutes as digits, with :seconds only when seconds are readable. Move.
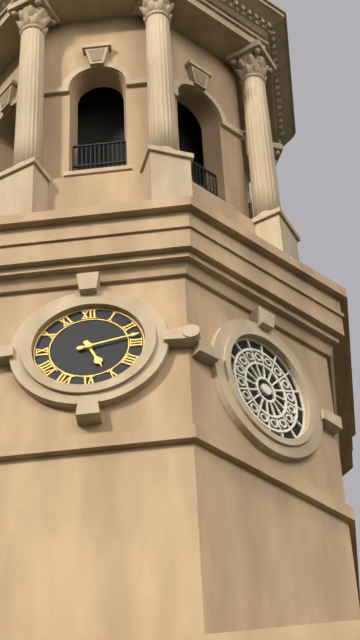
5:13
